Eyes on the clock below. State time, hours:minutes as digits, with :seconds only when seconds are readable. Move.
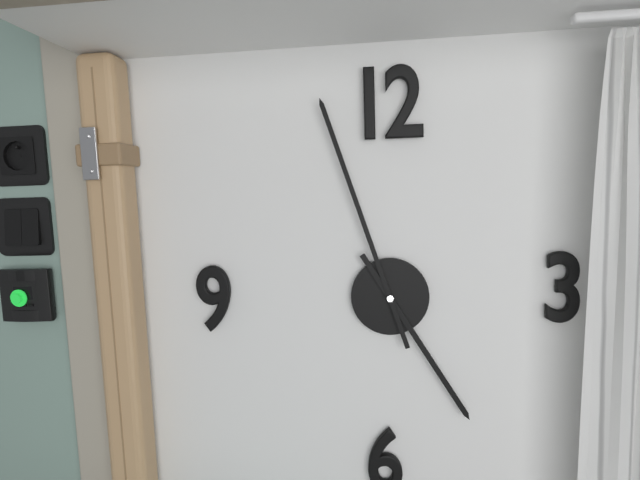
4:57
